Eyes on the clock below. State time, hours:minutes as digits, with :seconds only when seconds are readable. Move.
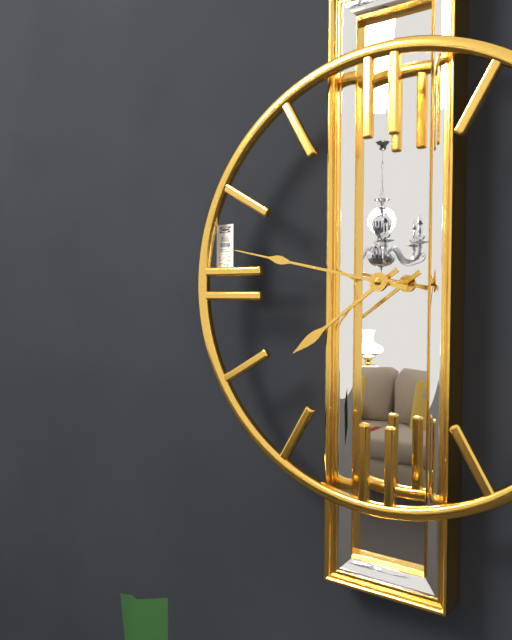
7:47
